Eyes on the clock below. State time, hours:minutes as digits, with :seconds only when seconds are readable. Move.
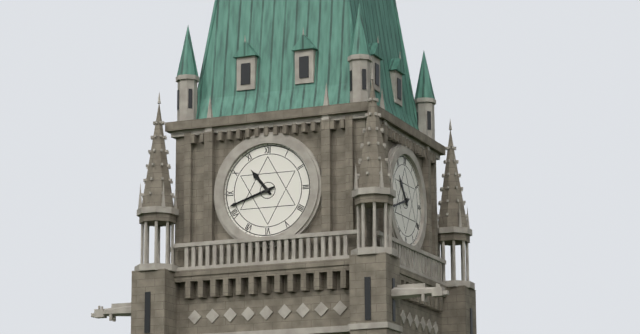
10:42
